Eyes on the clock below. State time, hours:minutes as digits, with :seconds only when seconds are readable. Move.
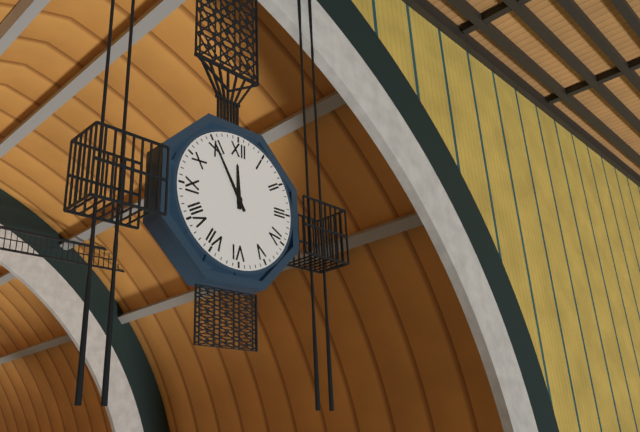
11:55
